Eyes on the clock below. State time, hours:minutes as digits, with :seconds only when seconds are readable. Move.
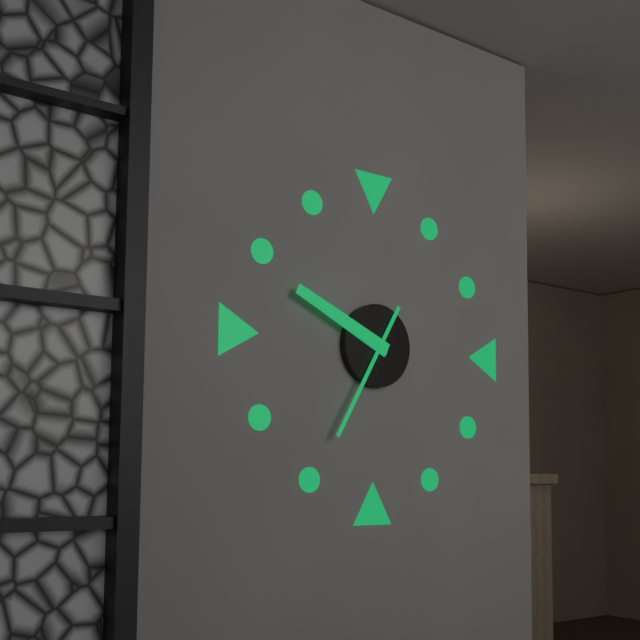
9:49:35
